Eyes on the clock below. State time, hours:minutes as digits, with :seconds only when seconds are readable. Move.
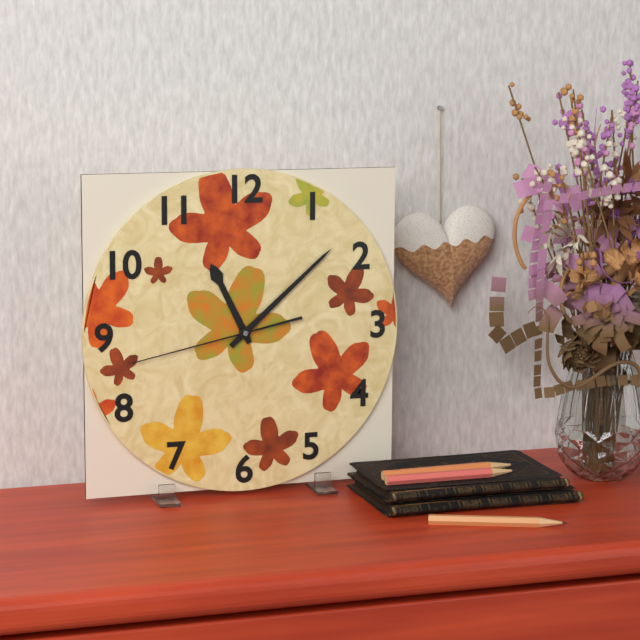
11:08:43
